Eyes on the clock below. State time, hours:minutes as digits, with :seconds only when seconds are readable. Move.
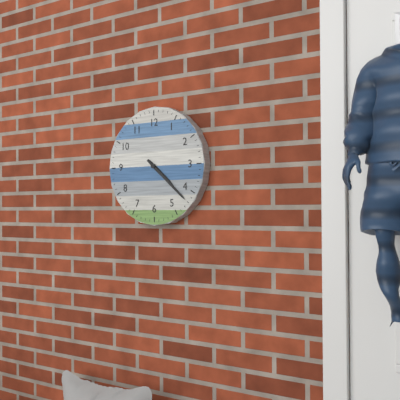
4:22
